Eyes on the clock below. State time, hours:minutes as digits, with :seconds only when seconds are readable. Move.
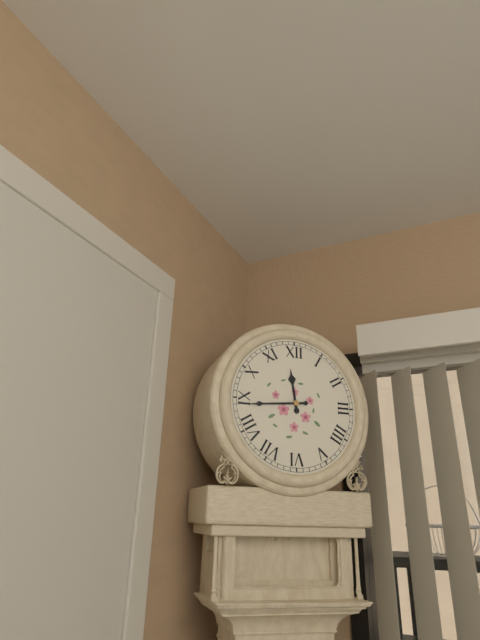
11:44
